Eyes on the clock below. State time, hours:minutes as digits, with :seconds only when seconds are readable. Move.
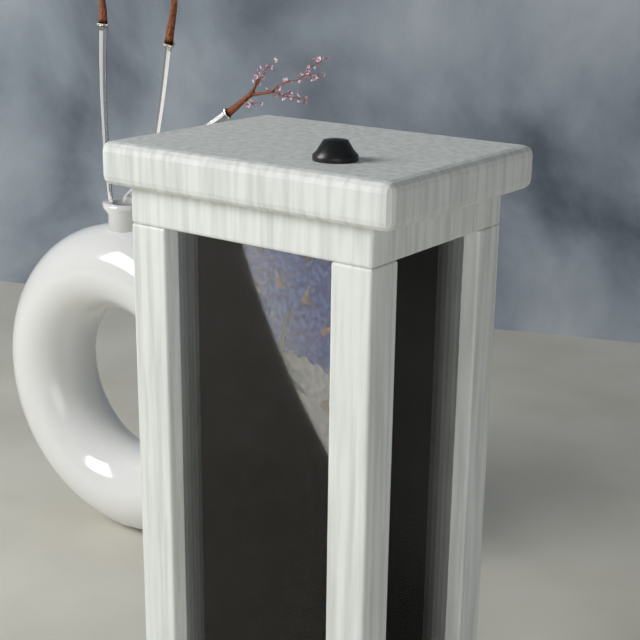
4:03:22
